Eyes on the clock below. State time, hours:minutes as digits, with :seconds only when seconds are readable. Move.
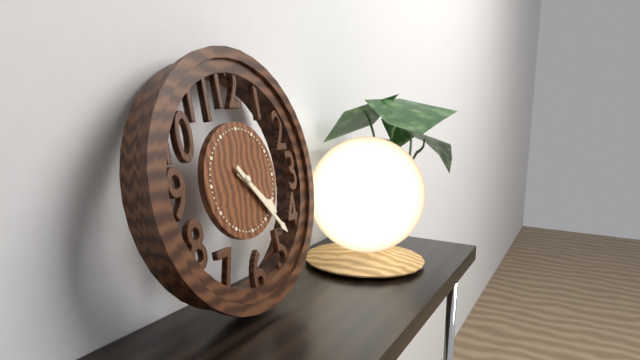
4:23
